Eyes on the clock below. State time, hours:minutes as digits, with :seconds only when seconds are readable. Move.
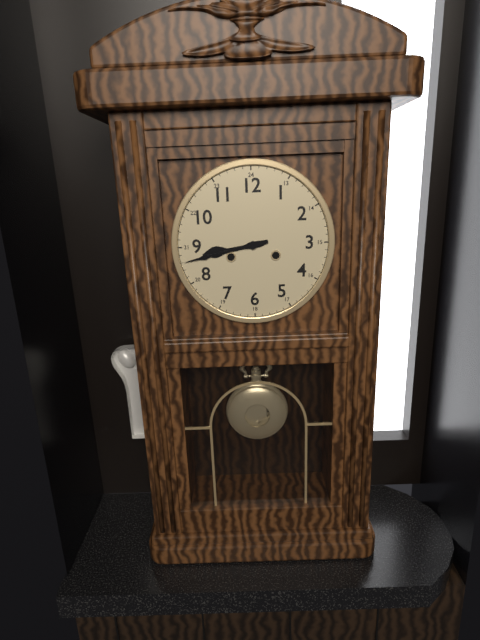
8:43
